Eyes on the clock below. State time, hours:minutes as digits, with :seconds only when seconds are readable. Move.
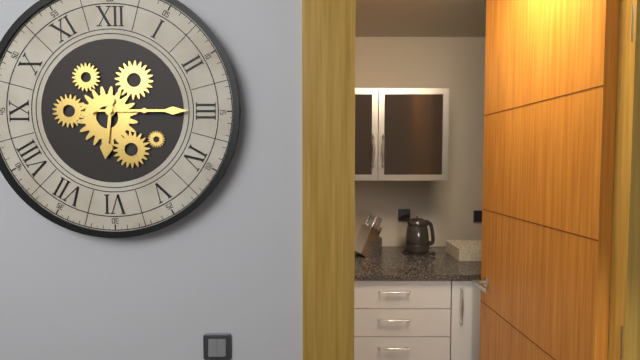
6:15
